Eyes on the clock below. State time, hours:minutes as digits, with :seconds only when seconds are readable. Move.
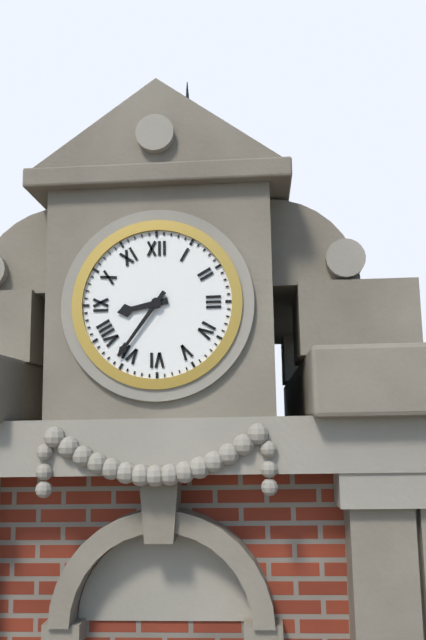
8:36
